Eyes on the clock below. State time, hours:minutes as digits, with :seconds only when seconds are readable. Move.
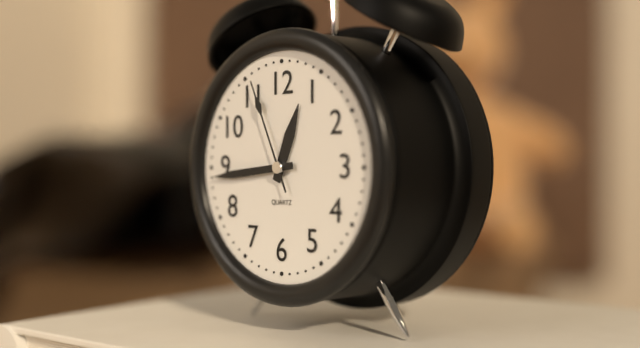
12:44:56
